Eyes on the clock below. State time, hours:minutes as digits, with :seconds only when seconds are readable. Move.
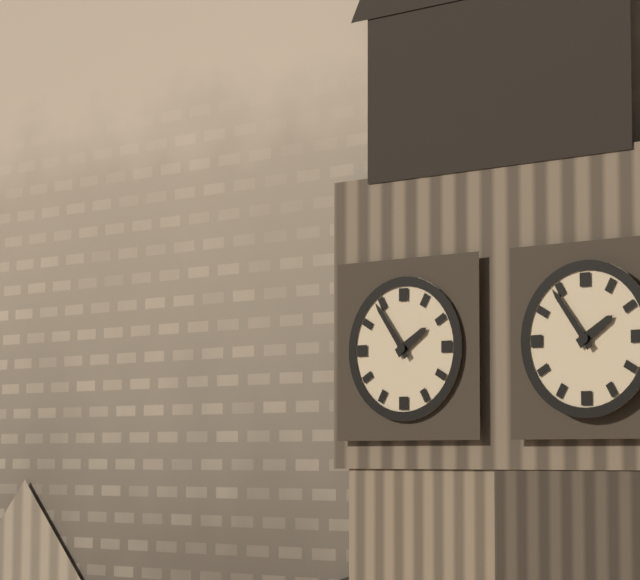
1:54
